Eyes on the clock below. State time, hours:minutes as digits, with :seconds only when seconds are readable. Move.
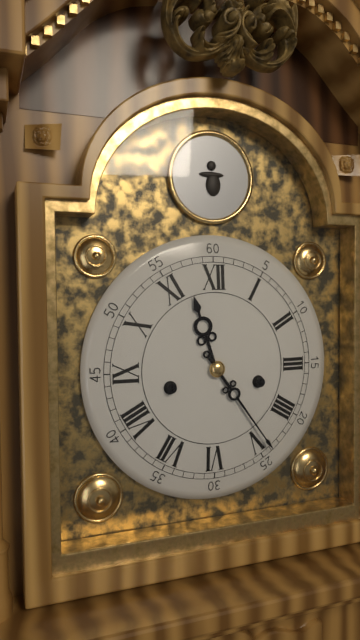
11:24
